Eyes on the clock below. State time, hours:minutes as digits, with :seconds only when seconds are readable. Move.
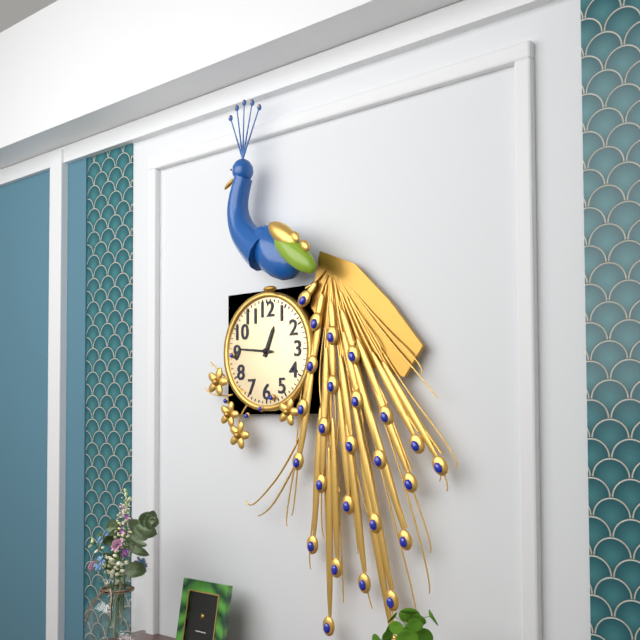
12:46
